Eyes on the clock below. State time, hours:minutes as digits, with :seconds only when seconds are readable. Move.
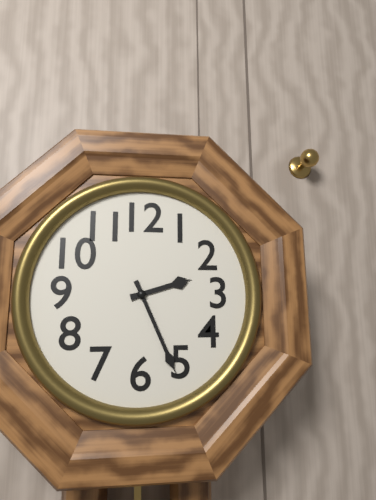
2:26
